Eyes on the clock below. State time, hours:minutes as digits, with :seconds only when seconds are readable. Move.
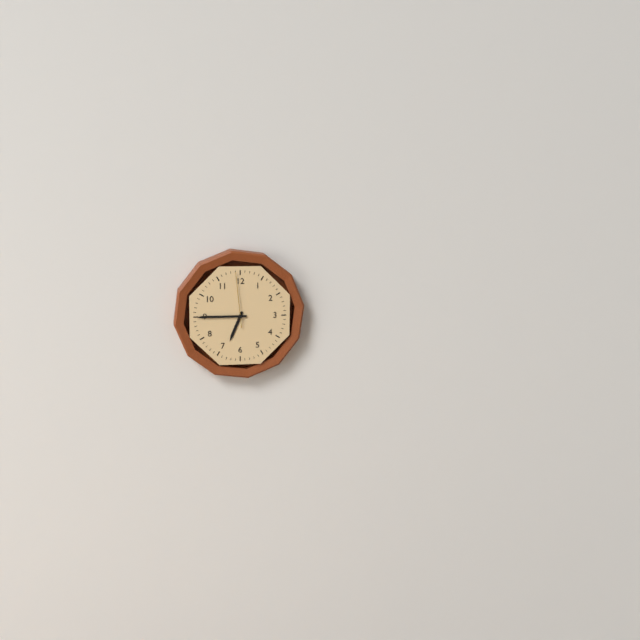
6:45:59
